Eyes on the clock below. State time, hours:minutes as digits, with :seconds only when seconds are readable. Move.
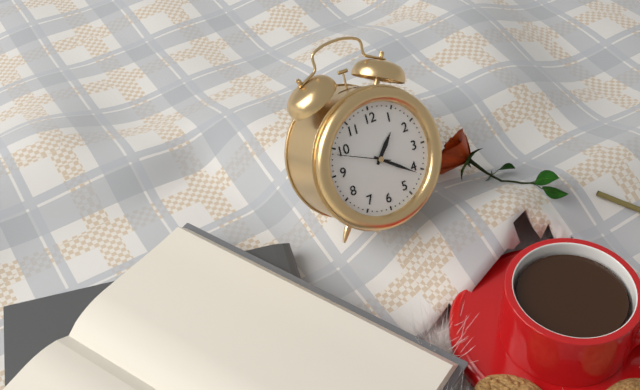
1:21:49
